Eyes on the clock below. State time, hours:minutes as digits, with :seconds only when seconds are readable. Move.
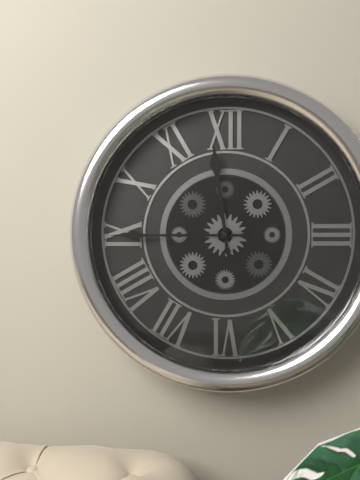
11:45
